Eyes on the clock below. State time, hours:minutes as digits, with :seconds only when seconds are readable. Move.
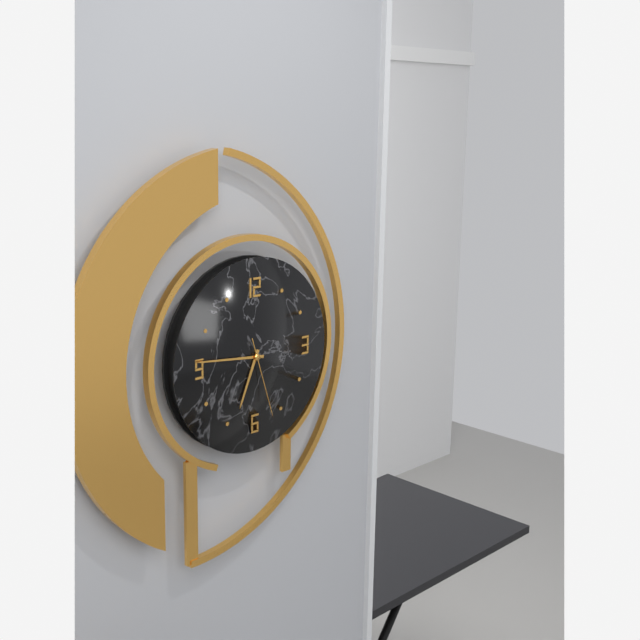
6:46:27
